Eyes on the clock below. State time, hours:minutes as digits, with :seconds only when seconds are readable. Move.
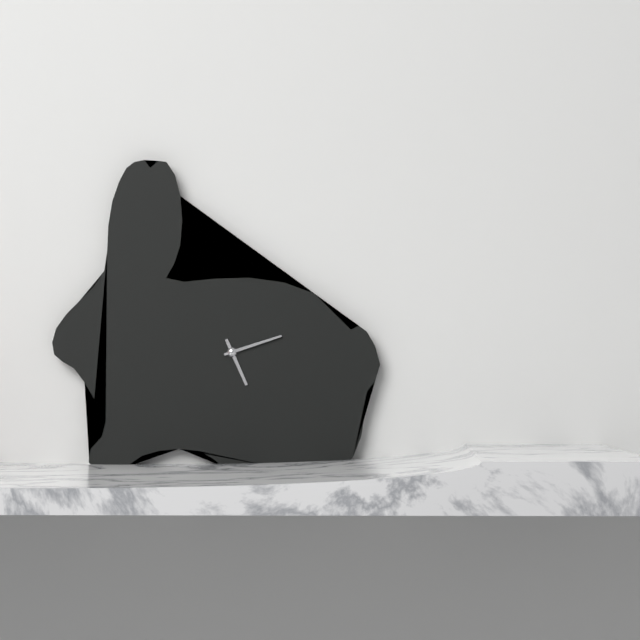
5:12
